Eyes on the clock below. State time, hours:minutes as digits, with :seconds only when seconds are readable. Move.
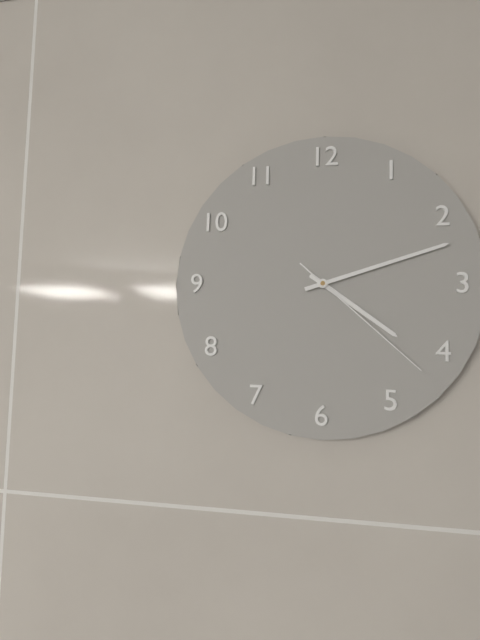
4:12:22
